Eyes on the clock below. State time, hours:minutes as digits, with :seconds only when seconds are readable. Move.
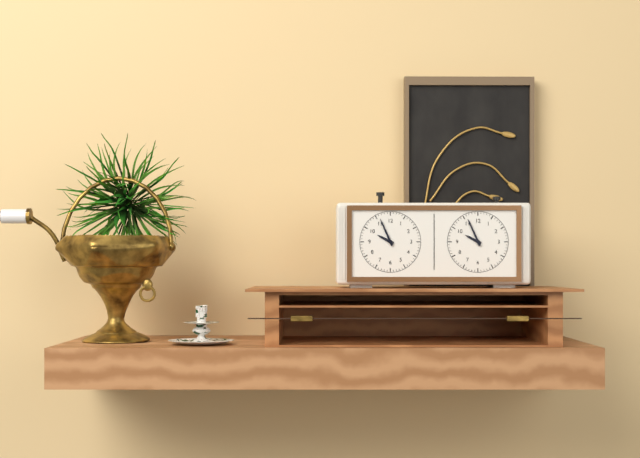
9:56
